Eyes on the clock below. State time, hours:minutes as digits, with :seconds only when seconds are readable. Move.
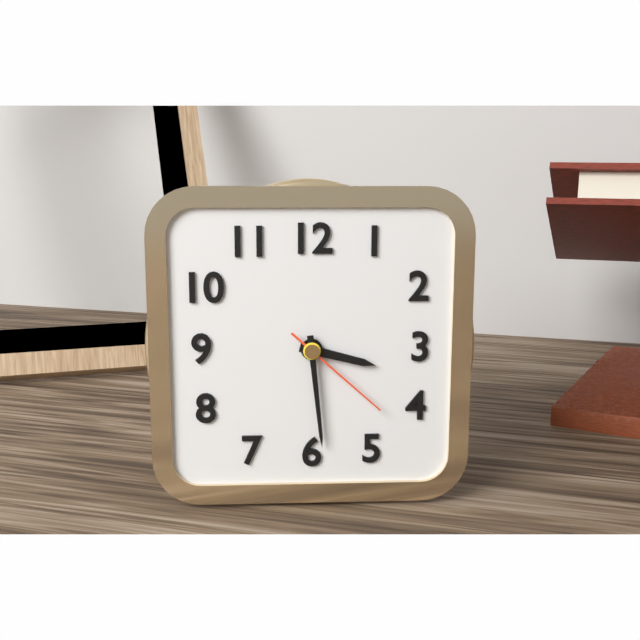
3:29:22
